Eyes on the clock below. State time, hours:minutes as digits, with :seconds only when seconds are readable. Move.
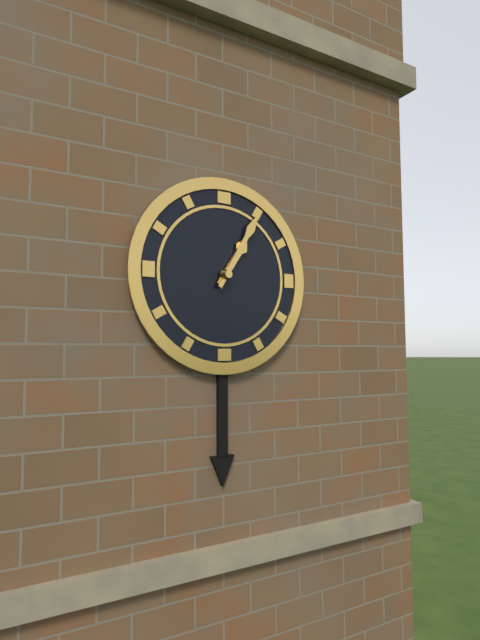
1:05
